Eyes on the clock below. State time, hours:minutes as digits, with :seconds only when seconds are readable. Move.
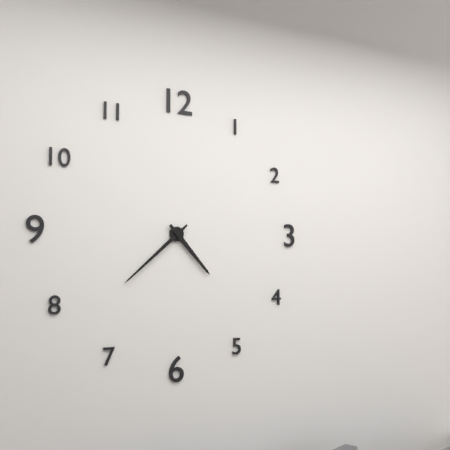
4:38
